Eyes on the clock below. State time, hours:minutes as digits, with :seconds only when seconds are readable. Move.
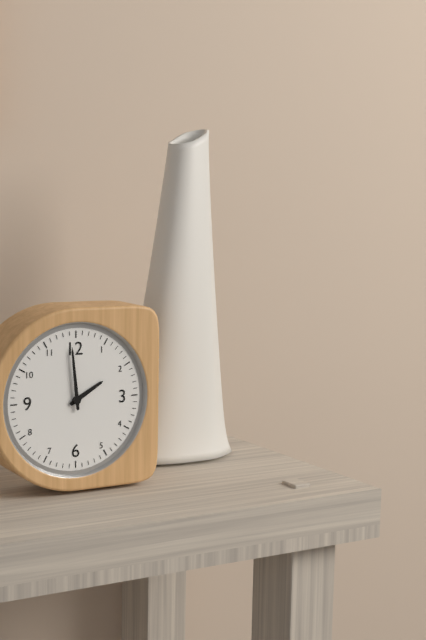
1:59
